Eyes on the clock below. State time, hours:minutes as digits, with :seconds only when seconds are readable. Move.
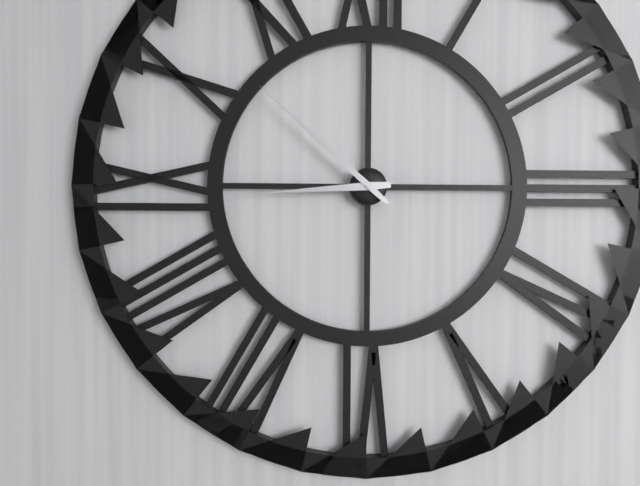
8:52
